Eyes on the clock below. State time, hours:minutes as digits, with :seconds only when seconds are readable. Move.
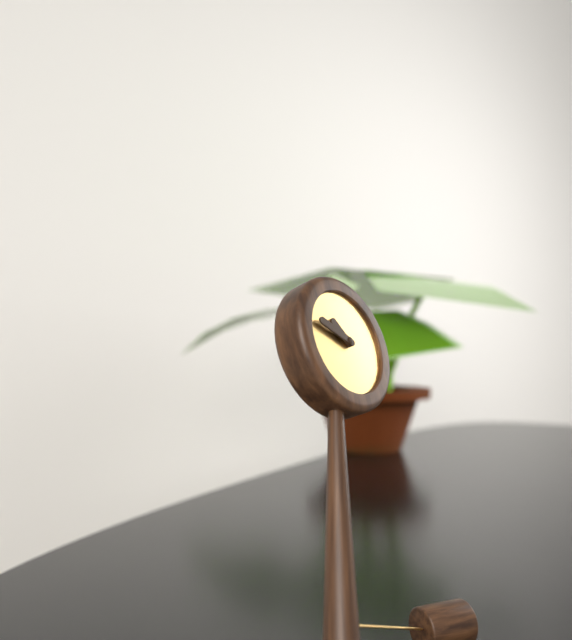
10:50
